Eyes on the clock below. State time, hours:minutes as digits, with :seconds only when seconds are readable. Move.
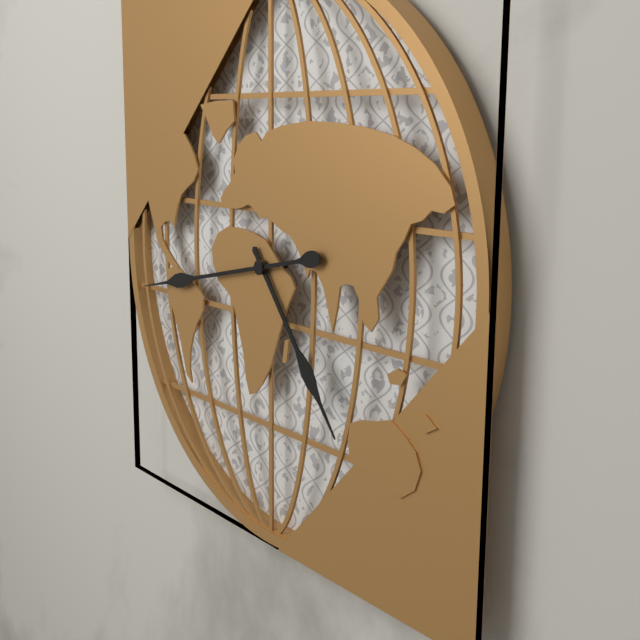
4:43
